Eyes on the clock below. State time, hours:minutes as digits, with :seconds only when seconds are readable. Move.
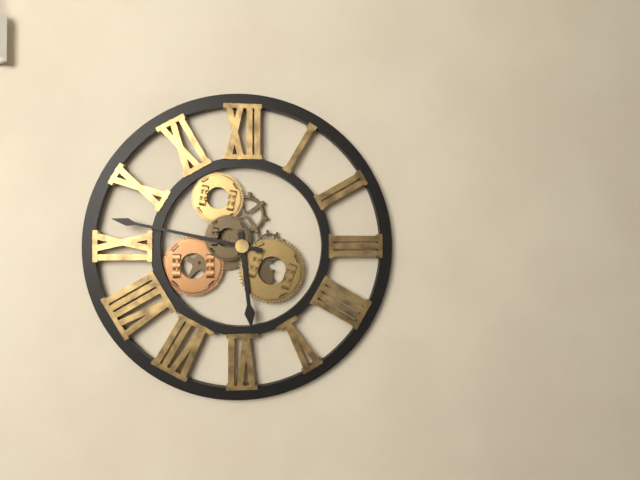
5:47
